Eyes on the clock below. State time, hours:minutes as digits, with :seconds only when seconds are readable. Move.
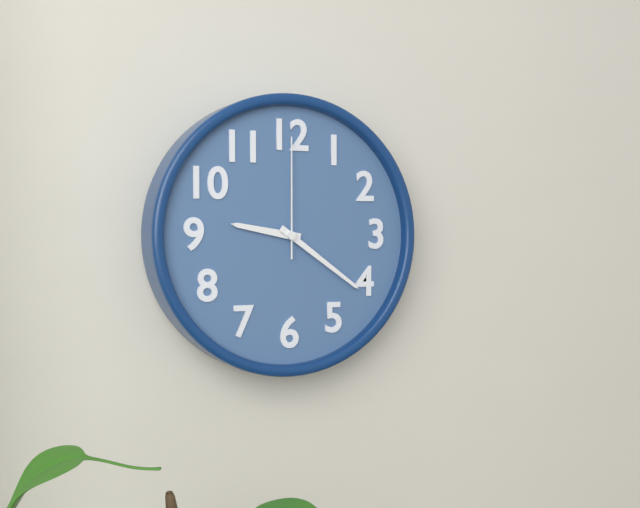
9:21:00
